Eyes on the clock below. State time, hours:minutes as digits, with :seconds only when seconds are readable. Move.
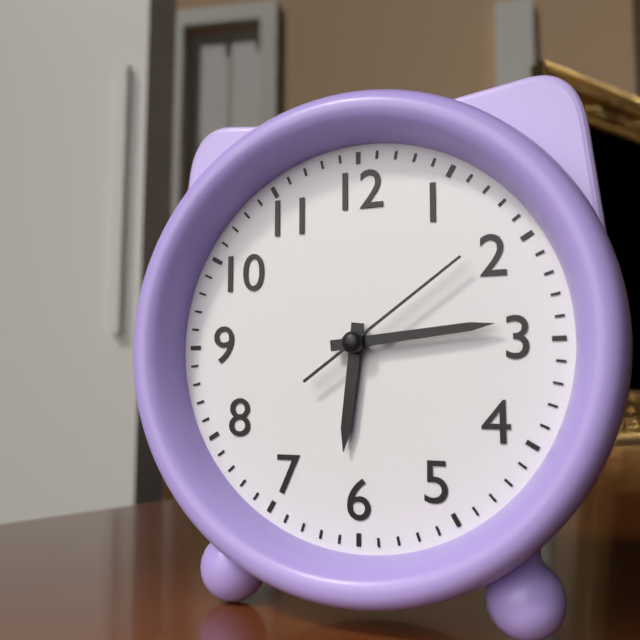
6:14:09
